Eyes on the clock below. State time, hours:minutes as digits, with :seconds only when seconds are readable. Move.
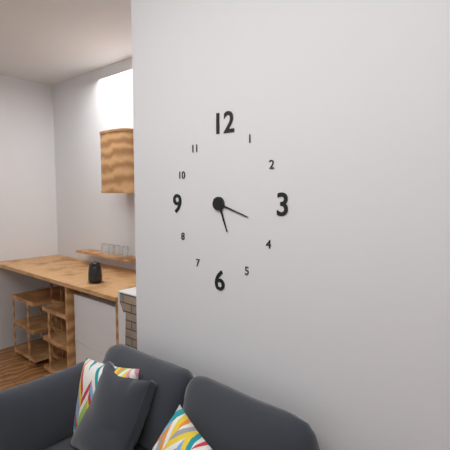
5:18
